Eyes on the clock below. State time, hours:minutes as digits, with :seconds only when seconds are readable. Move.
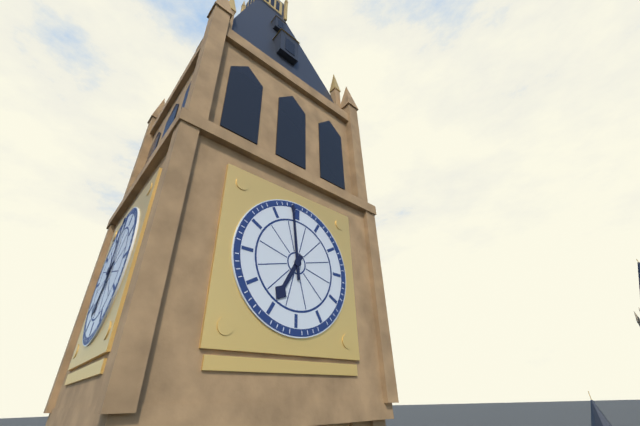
6:59
